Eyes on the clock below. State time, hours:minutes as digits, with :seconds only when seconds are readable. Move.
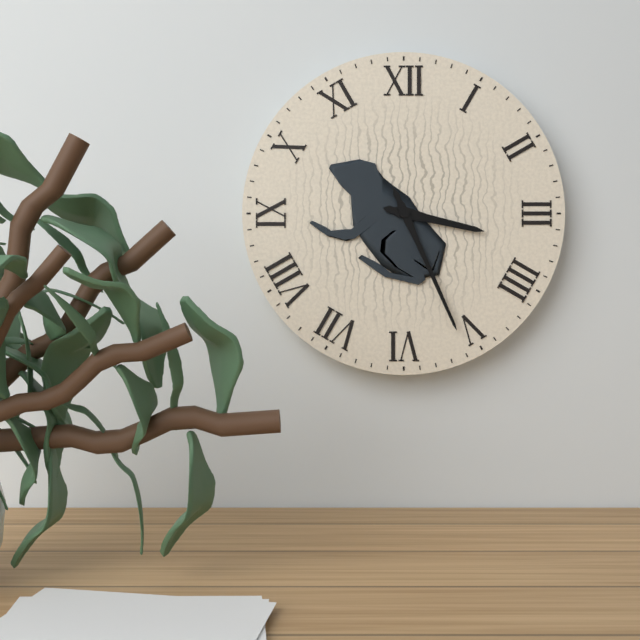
3:26
